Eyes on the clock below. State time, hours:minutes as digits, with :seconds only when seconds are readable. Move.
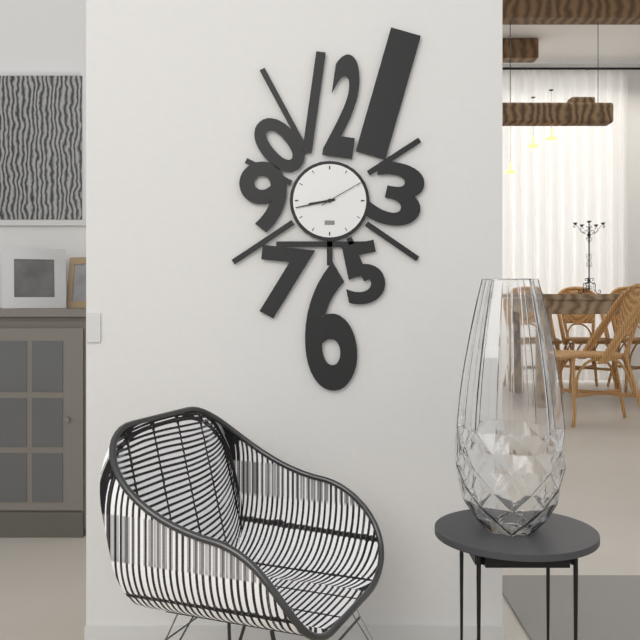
8:43
